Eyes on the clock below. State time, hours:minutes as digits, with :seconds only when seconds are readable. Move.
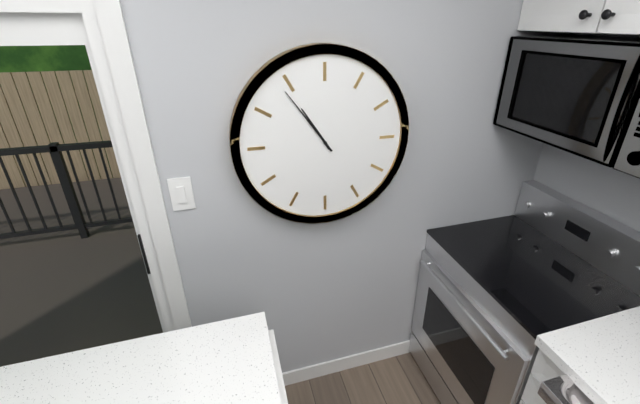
10:54
